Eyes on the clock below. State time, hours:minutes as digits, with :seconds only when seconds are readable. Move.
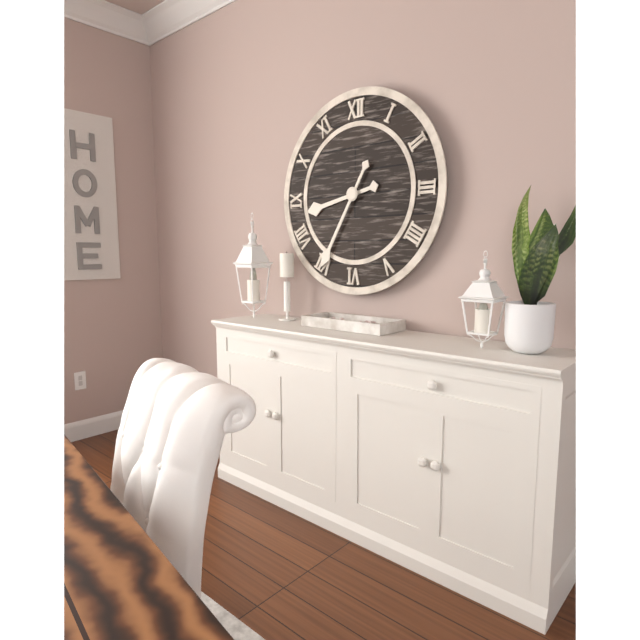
8:35
